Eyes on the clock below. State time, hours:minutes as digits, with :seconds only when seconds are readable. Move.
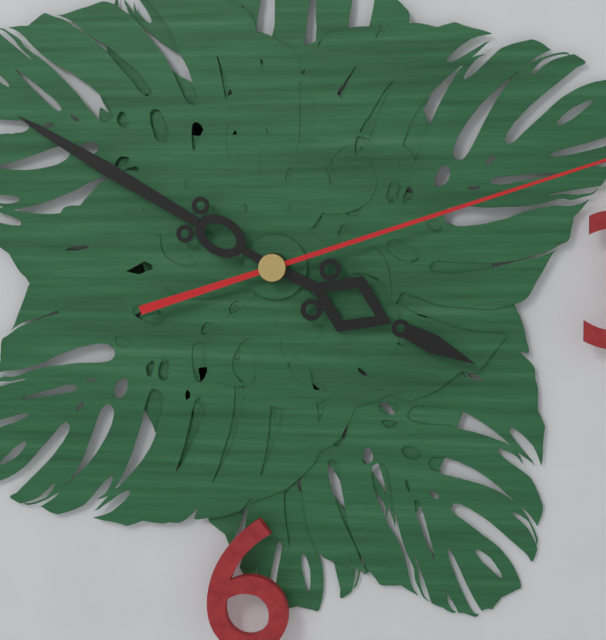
3:50
